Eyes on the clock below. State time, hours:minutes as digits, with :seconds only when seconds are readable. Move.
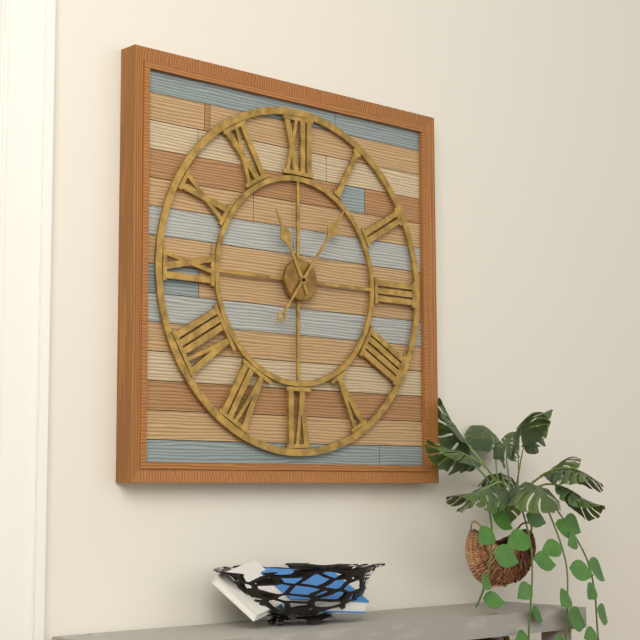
11:06
